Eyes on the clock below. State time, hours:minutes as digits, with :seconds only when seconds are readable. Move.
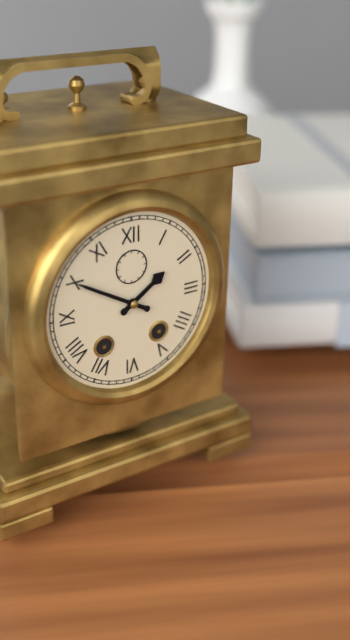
1:50
